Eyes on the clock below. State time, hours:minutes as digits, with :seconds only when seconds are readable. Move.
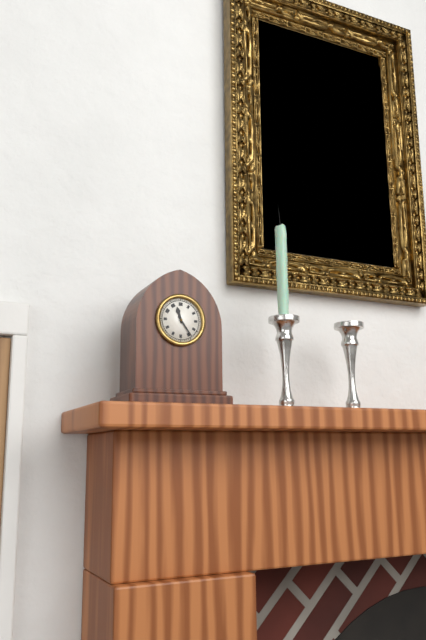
11:24
